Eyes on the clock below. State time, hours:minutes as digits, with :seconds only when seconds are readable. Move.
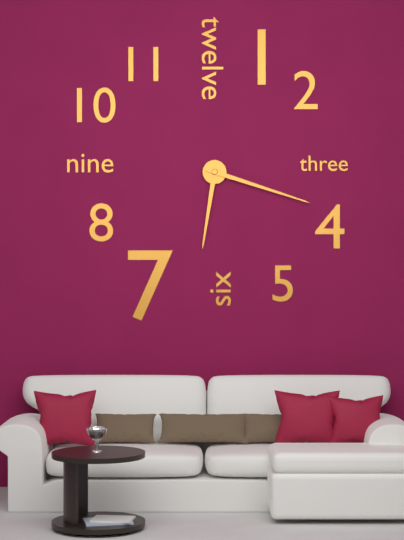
6:18
